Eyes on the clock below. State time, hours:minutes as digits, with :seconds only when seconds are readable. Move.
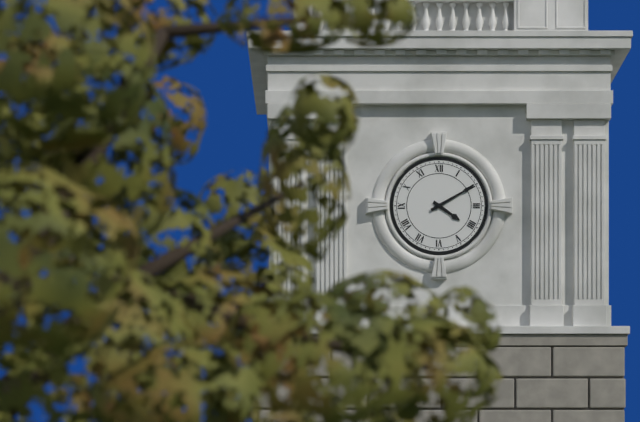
4:10
